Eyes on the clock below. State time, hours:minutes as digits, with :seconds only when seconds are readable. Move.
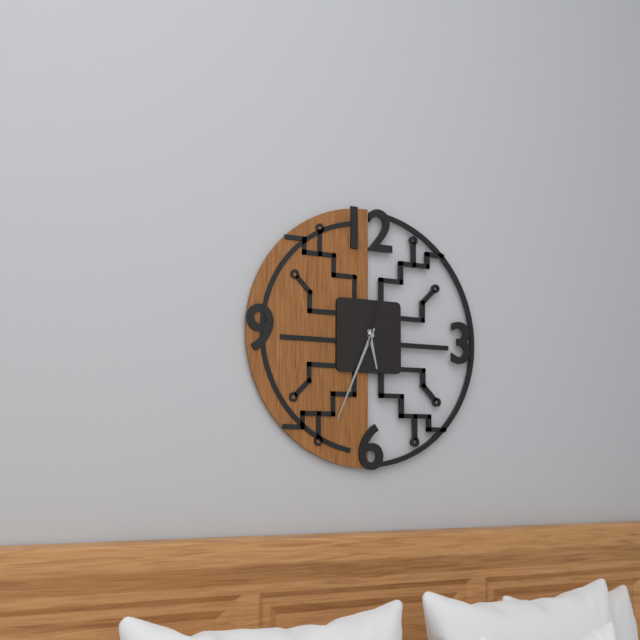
5:34:02
